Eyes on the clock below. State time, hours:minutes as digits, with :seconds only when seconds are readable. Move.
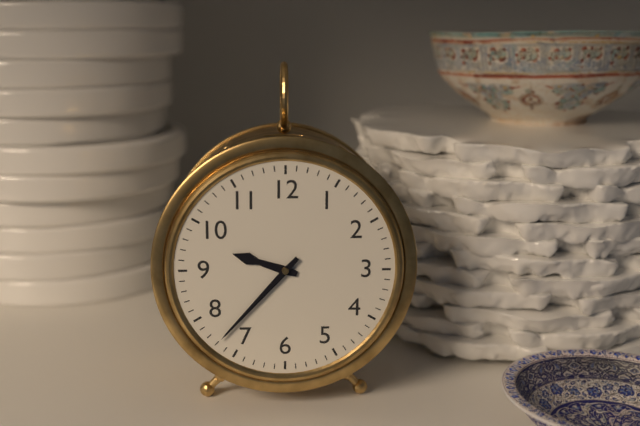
9:37
